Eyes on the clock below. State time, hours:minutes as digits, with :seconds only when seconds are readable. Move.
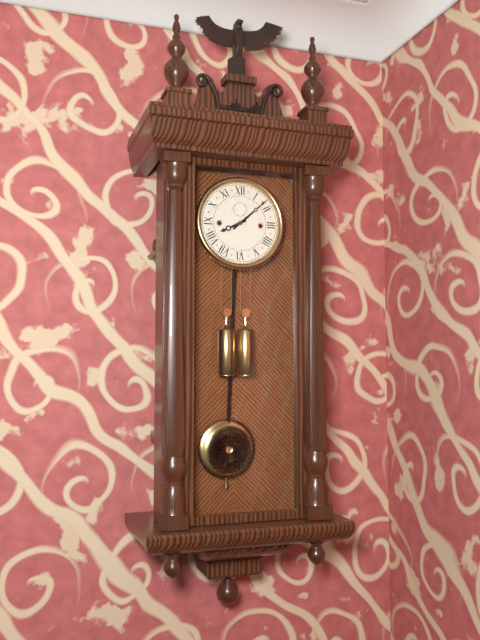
8:08
